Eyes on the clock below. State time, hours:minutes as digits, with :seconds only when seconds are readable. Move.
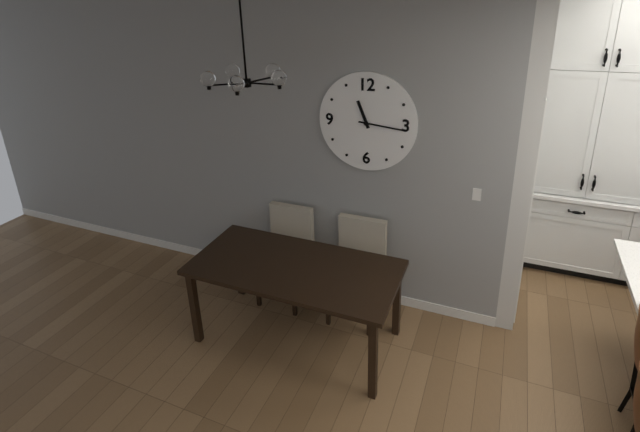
11:16
